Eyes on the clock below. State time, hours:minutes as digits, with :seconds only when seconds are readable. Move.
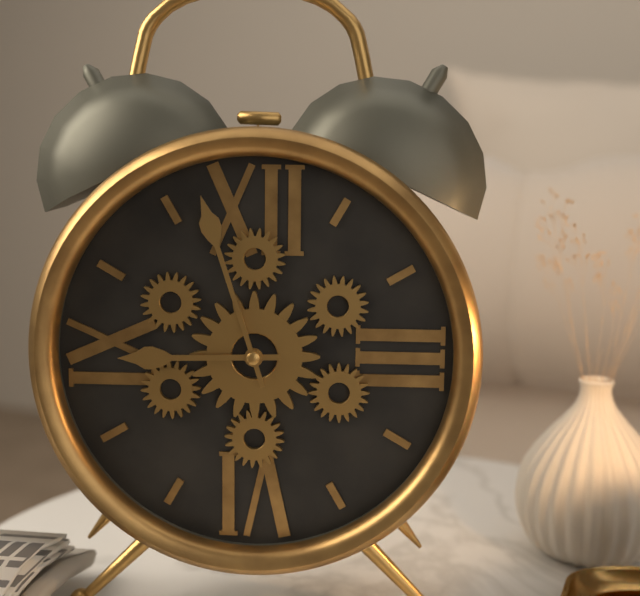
8:57
